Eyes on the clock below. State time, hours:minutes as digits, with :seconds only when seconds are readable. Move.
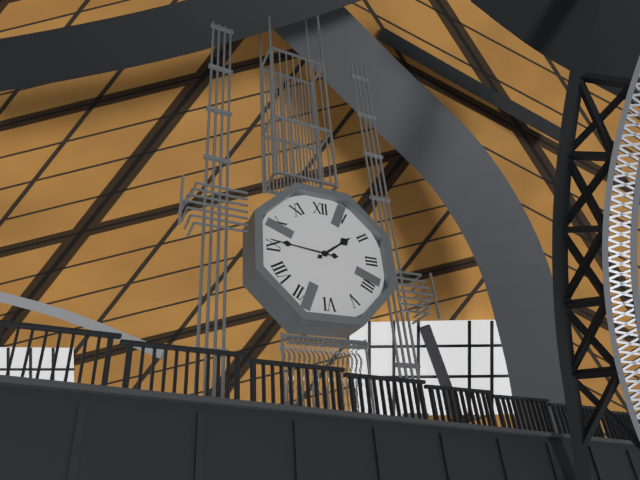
1:46
